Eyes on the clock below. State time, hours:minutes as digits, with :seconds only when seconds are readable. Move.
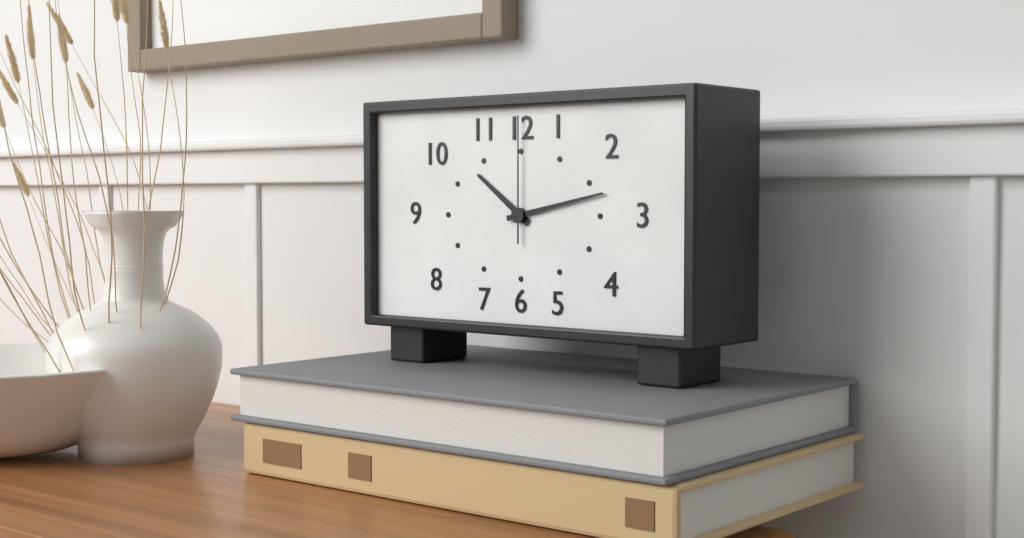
10:13:00
